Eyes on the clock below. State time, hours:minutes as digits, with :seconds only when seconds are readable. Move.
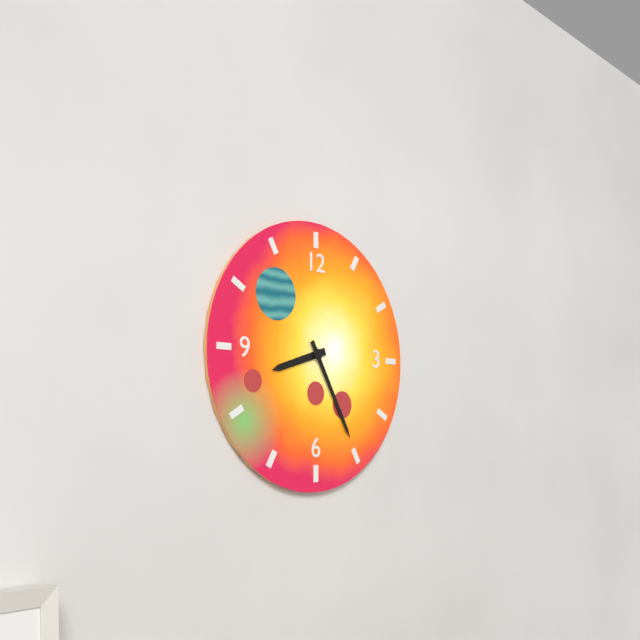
8:25
